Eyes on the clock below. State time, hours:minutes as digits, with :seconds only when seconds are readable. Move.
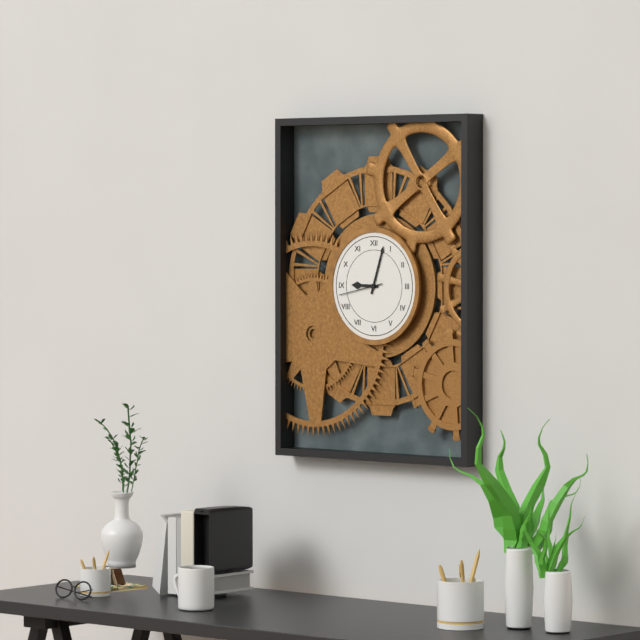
9:03
